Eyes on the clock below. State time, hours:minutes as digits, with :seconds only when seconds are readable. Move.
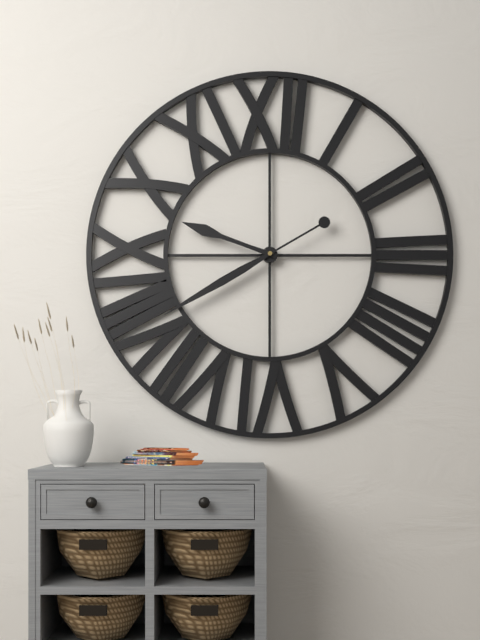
9:40
